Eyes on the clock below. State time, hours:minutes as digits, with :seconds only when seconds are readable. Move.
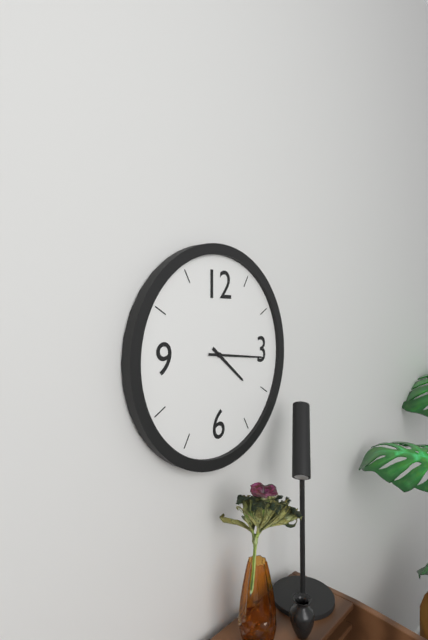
4:16
